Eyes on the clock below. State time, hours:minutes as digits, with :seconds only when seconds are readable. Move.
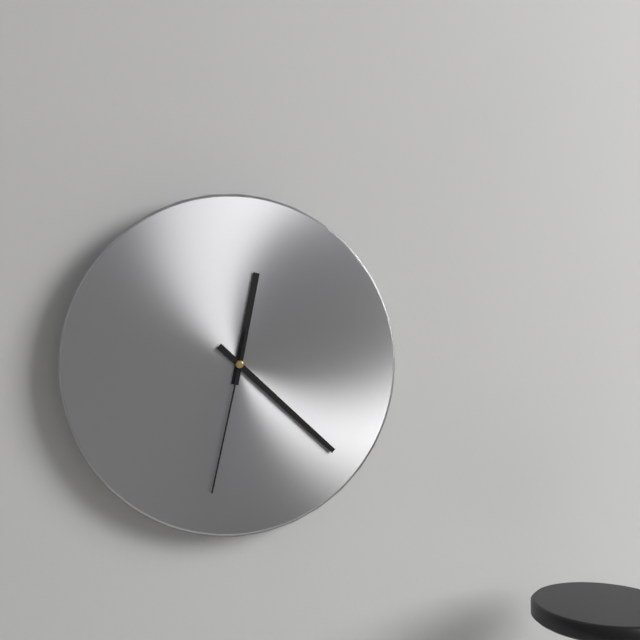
12:22:32
